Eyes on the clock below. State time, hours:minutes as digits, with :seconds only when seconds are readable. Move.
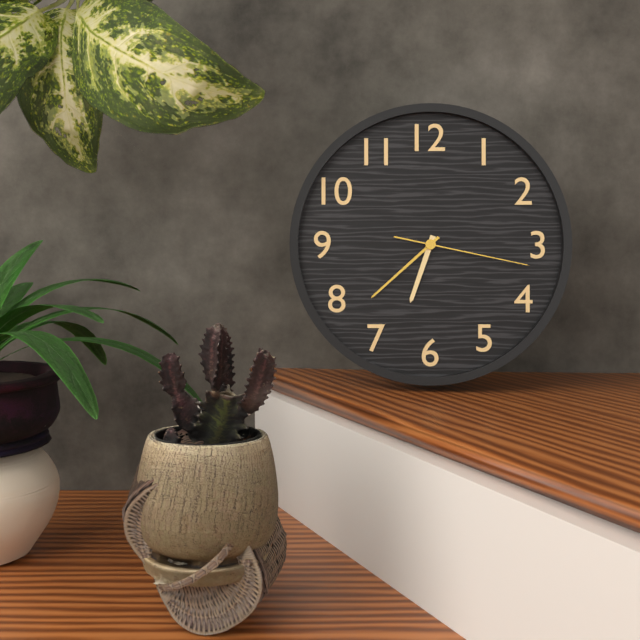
6:38:17
